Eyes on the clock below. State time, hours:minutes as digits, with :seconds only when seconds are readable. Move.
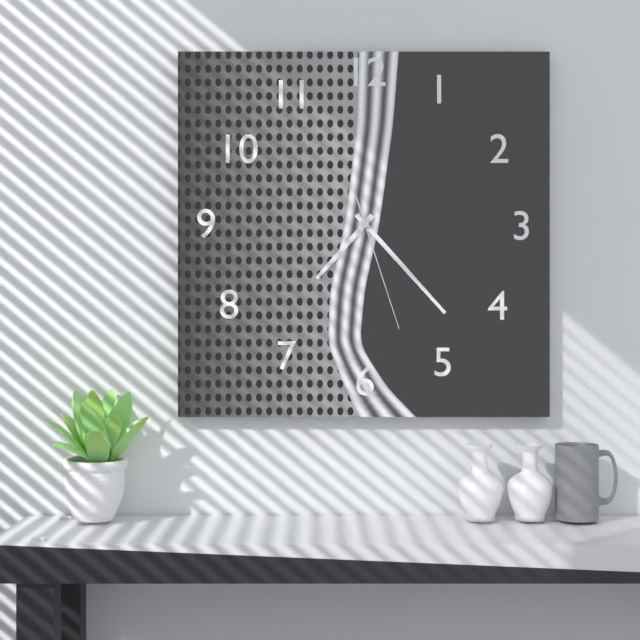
7:23:27
